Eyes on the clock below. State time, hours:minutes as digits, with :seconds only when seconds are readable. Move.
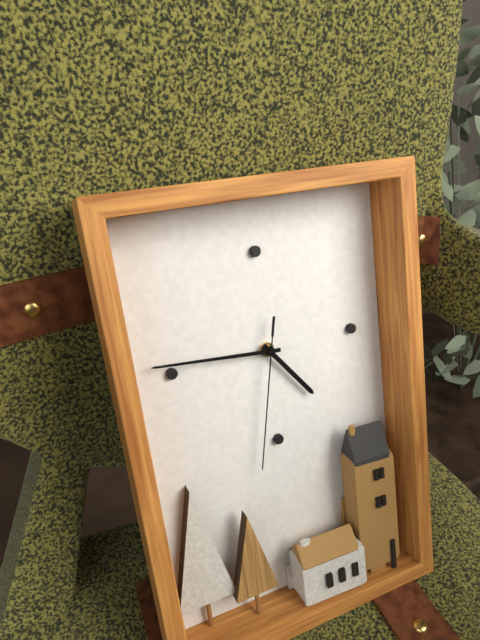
4:46:32
